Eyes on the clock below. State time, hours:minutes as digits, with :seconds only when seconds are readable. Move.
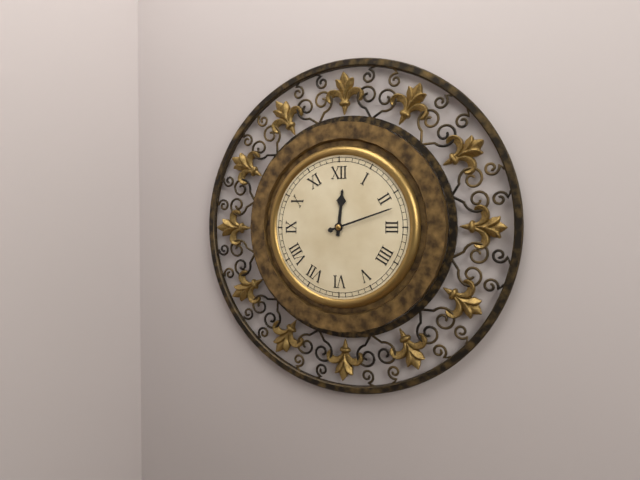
12:12
